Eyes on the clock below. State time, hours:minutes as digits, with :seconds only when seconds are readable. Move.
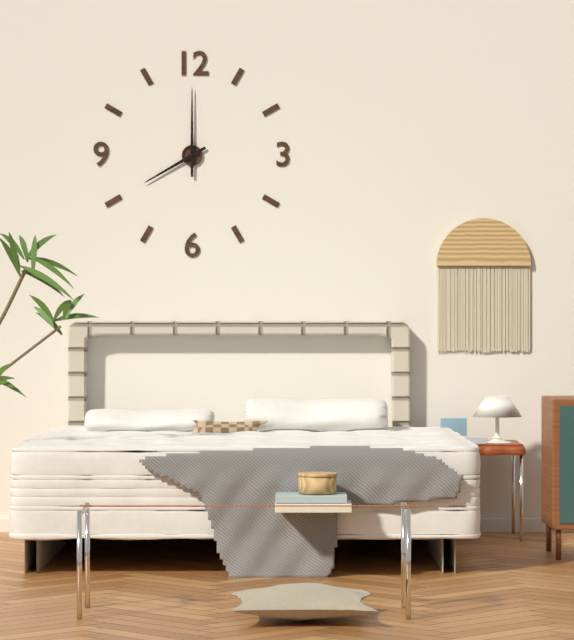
8:00
